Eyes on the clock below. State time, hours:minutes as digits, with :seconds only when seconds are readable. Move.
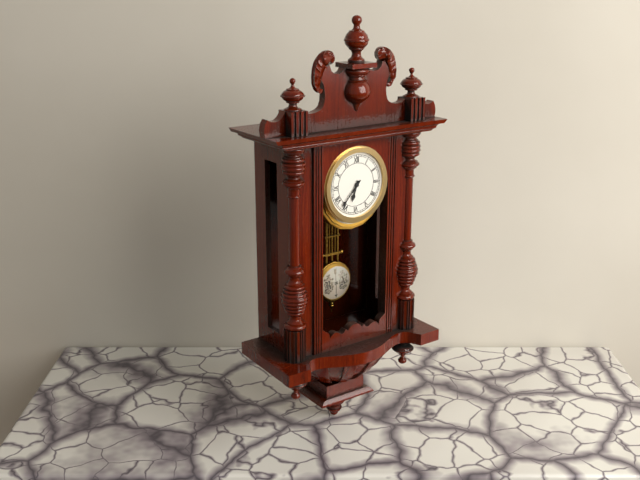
6:37
